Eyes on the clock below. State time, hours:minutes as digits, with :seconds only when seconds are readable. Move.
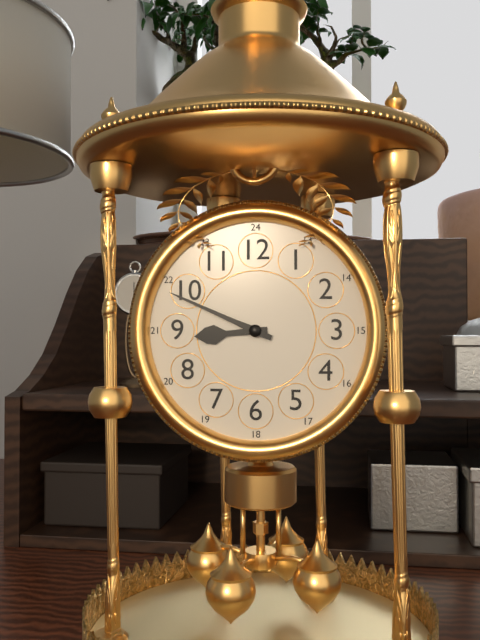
8:49
